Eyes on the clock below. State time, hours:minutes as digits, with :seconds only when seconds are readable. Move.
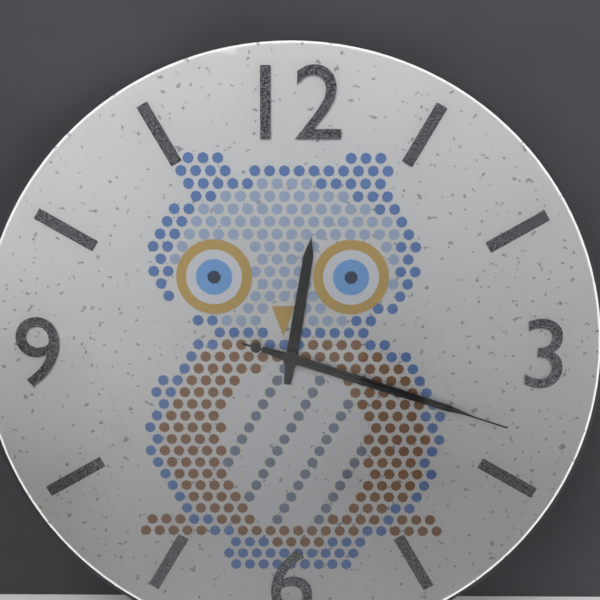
12:18:18
